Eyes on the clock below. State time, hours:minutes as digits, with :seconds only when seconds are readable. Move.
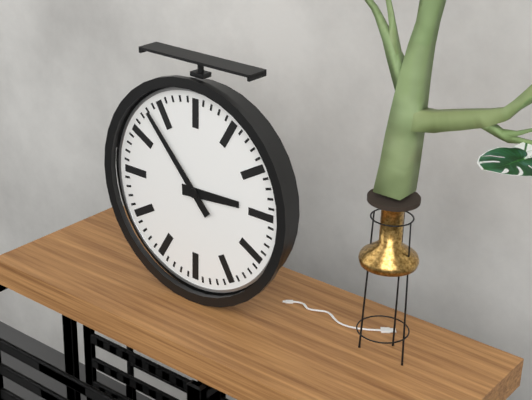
2:53
